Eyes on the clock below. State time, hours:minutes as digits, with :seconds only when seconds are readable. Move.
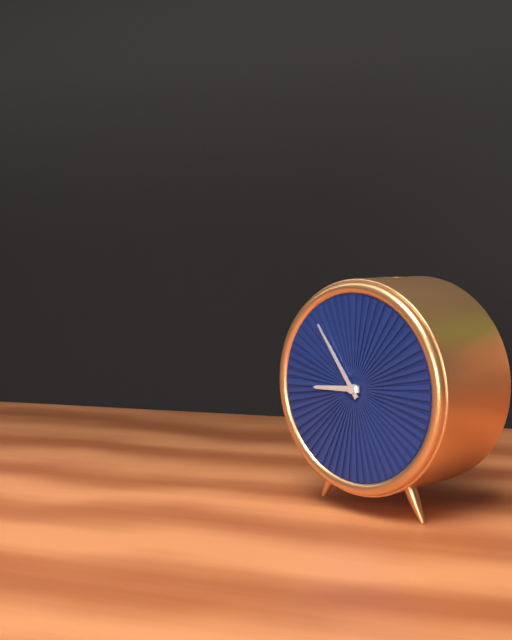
8:54
